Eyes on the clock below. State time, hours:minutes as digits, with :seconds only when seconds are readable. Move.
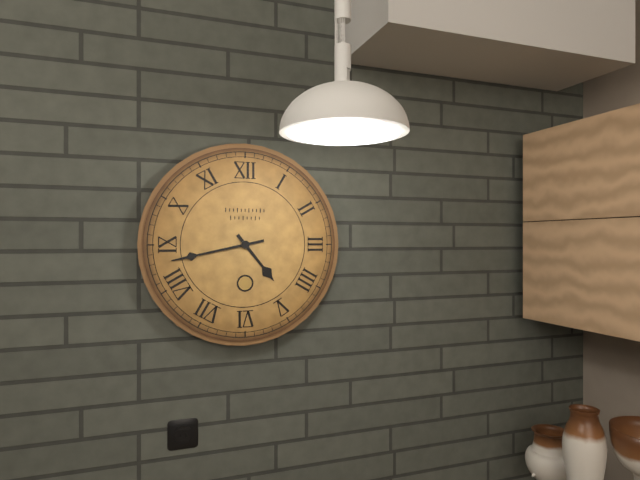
4:43
